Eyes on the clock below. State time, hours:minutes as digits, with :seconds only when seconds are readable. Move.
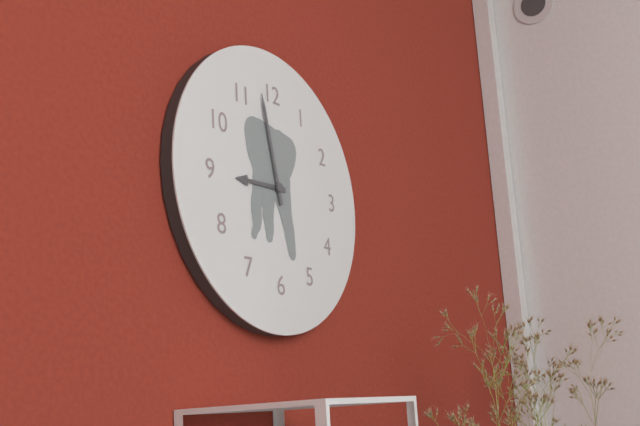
8:58
